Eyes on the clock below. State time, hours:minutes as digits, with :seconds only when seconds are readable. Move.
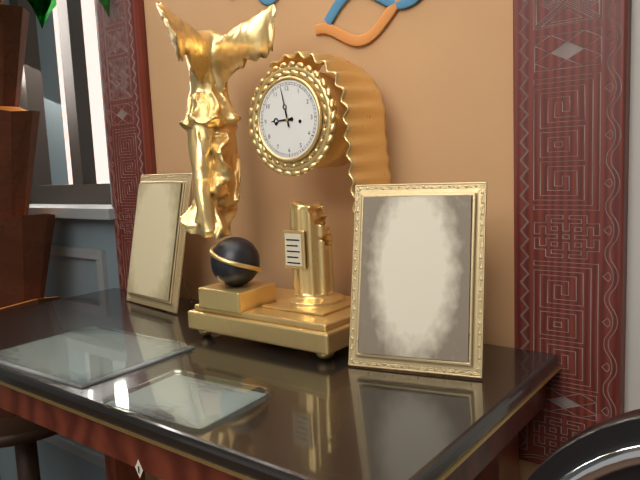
8:58
